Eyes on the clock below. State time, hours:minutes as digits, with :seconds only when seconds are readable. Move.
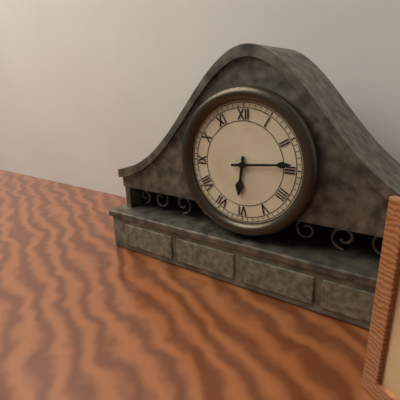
6:14
